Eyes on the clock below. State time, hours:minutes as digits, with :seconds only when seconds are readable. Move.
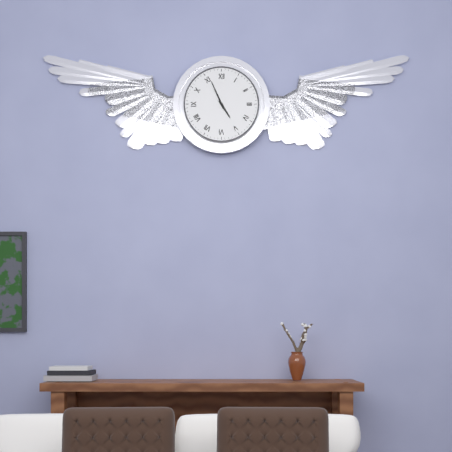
4:56
